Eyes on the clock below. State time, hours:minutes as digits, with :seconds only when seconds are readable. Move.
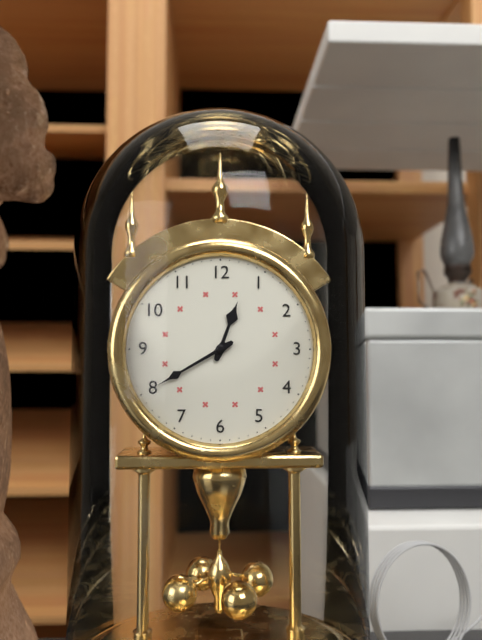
12:40
